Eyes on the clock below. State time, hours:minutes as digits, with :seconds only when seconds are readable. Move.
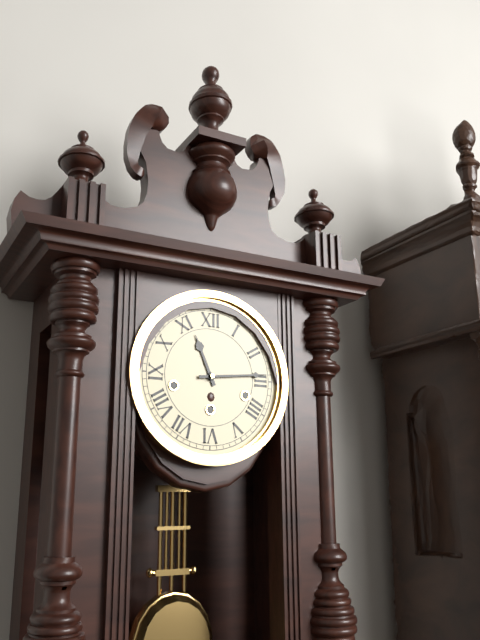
11:14
